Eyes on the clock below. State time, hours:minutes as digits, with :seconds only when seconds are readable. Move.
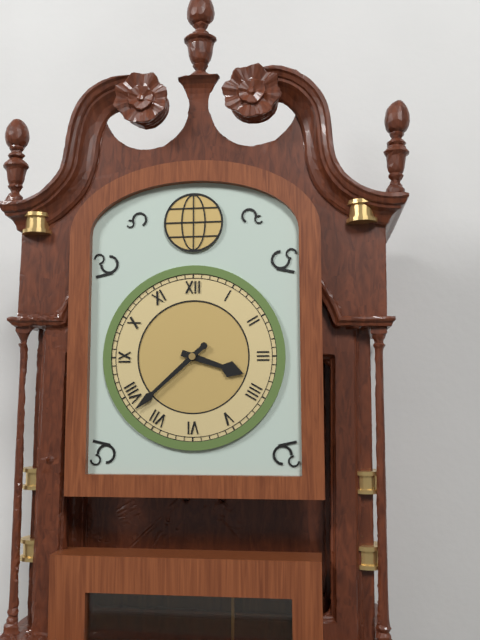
3:38
